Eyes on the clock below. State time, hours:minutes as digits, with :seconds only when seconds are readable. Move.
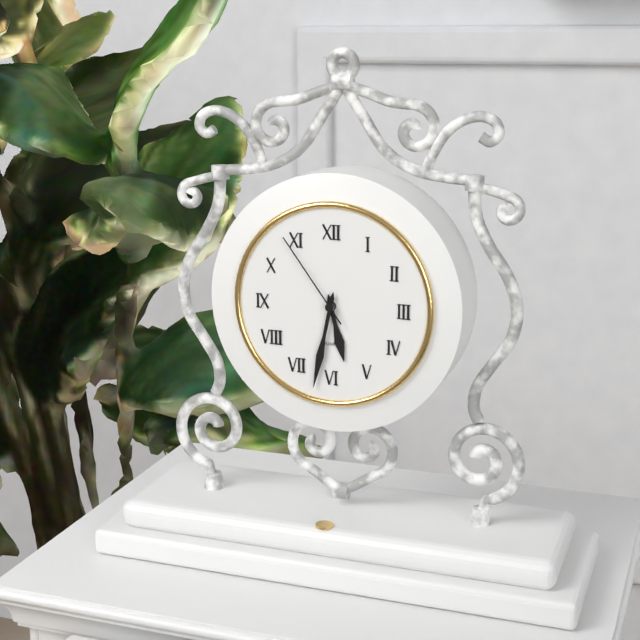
5:32:54
